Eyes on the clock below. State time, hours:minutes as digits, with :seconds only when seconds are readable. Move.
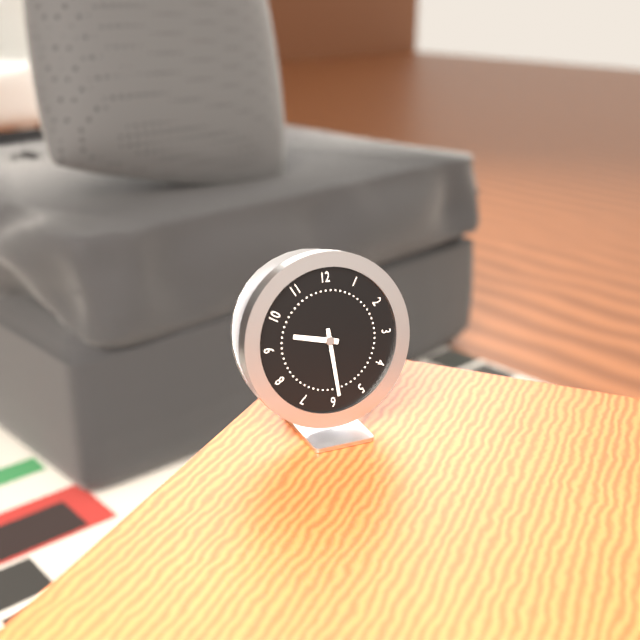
9:29
